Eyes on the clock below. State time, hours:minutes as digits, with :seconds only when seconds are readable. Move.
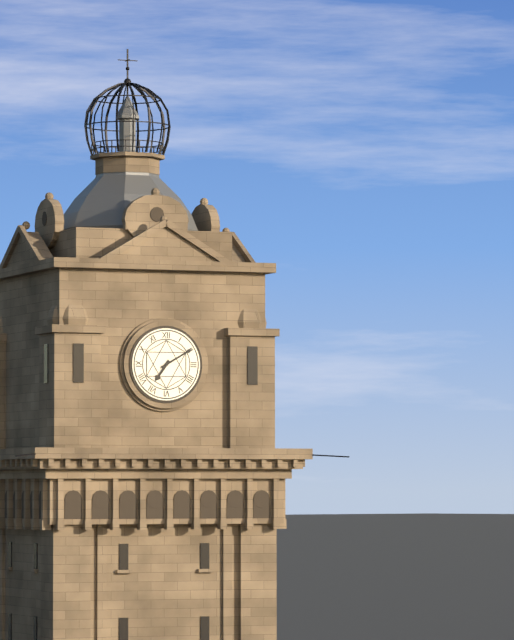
7:10
